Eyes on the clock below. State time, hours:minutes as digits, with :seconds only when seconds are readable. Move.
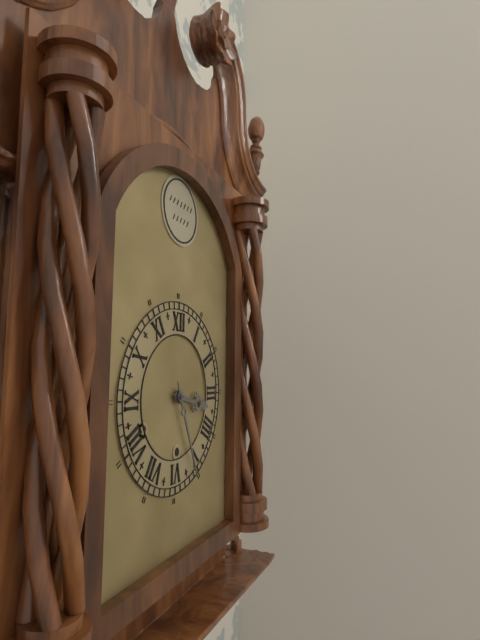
3:26
